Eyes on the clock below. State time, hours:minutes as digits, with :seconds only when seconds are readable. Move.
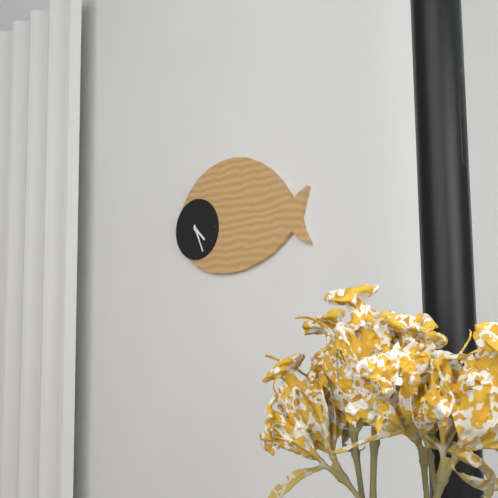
4:26
